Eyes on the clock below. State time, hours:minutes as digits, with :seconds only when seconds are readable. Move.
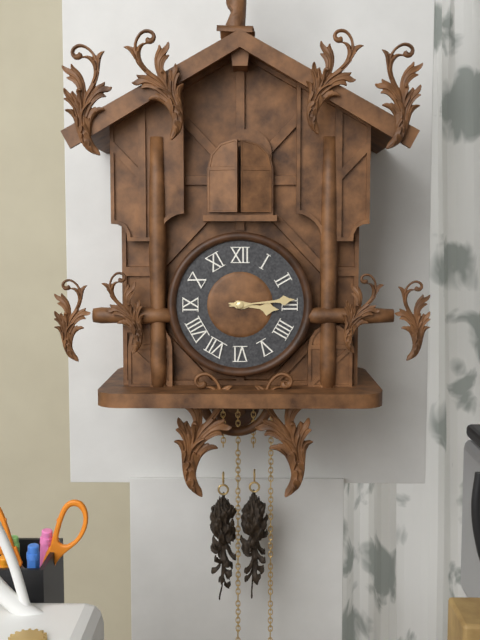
3:14
